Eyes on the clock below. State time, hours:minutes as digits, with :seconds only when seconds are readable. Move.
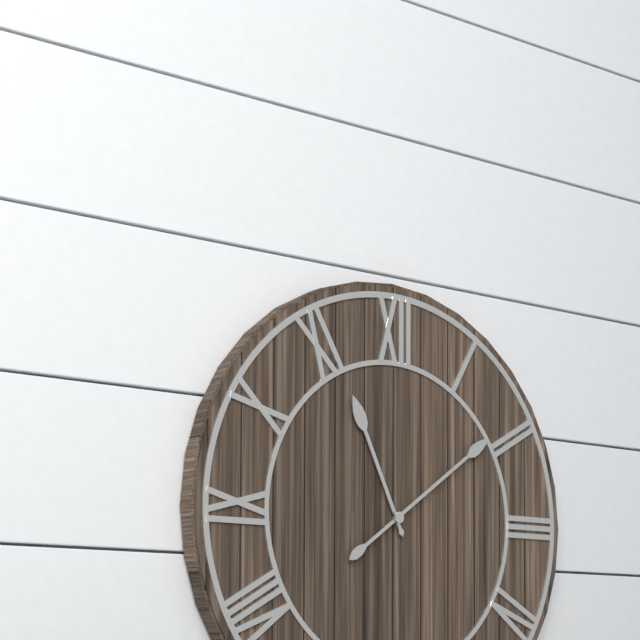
11:09
